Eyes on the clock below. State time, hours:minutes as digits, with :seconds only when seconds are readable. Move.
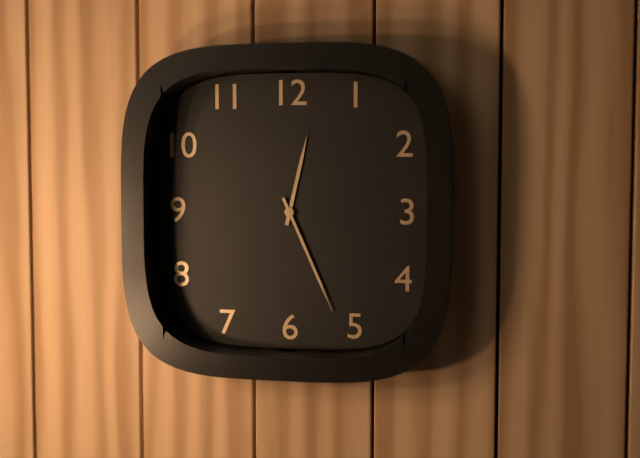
12:26
